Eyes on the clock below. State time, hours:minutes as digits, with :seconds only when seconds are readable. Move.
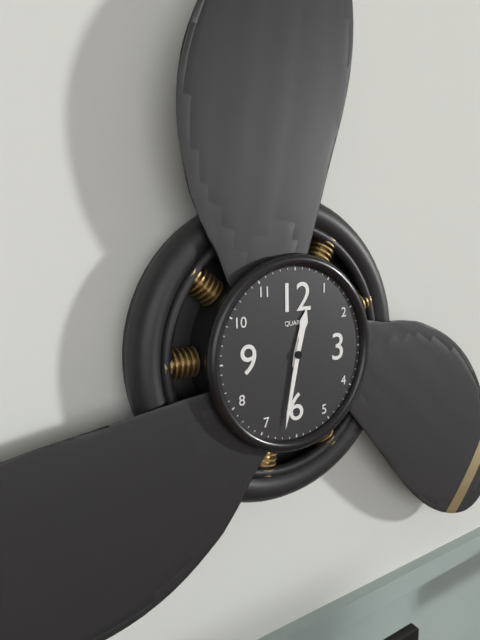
12:32
